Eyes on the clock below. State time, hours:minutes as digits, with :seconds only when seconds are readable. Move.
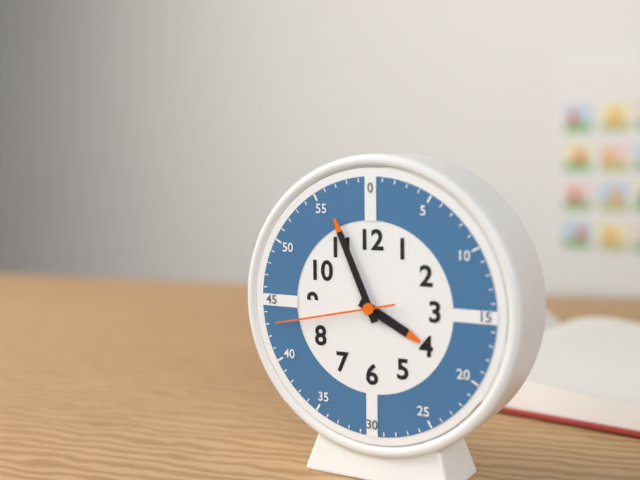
3:56:43
